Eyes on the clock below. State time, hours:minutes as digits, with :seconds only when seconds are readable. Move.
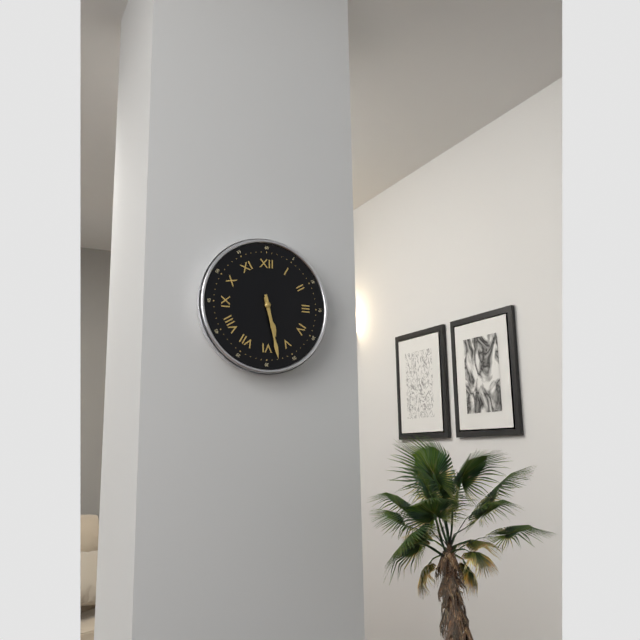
5:28
